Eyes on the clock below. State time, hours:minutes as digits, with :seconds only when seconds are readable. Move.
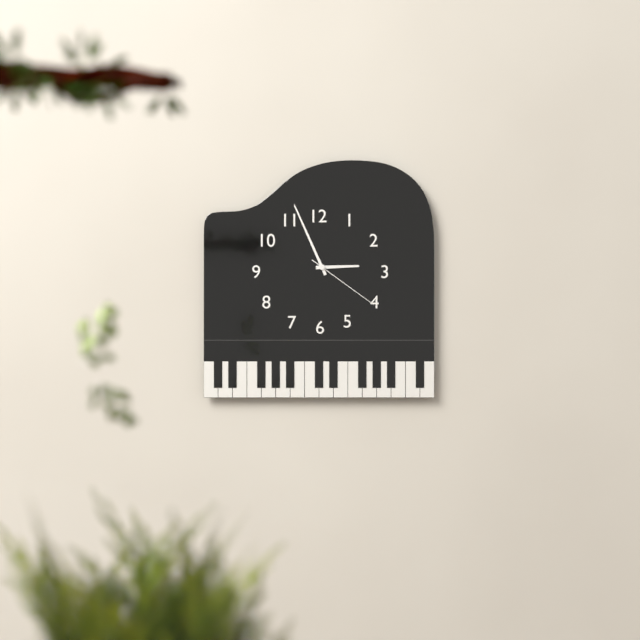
2:56:21
